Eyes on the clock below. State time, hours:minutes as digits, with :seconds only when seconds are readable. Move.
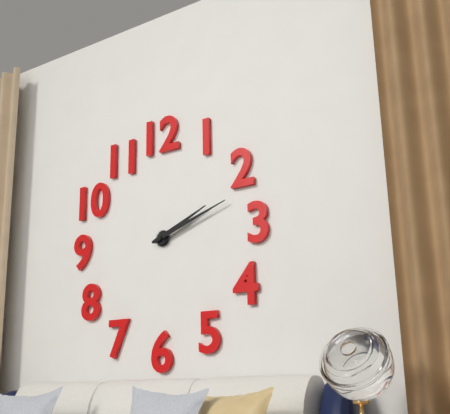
2:12
